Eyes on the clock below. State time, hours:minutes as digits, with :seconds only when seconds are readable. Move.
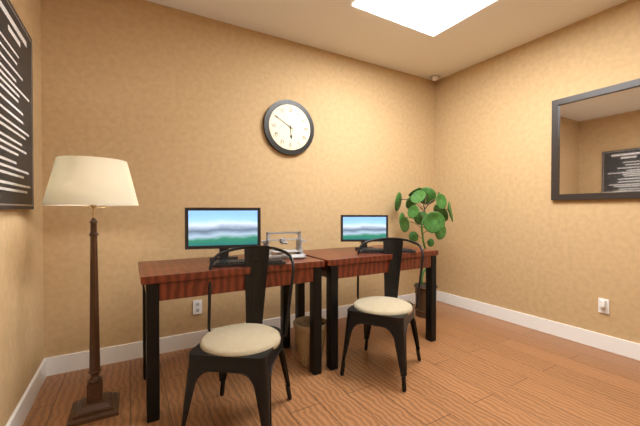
5:50
